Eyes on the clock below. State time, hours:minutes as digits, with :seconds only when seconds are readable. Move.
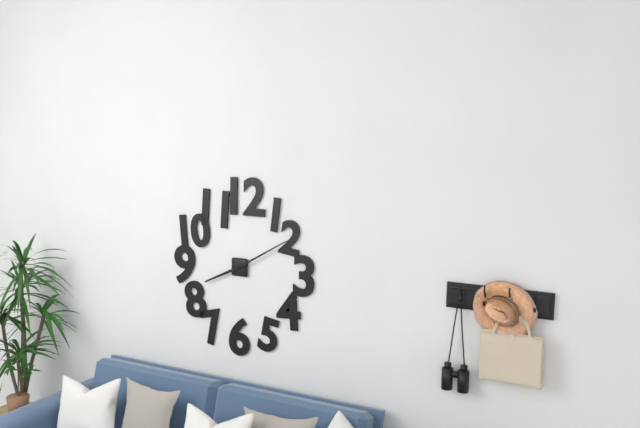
8:10
